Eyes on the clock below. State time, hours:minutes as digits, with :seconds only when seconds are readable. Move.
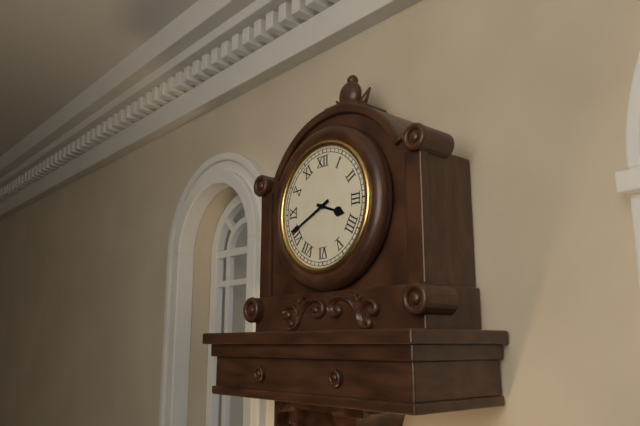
3:41
